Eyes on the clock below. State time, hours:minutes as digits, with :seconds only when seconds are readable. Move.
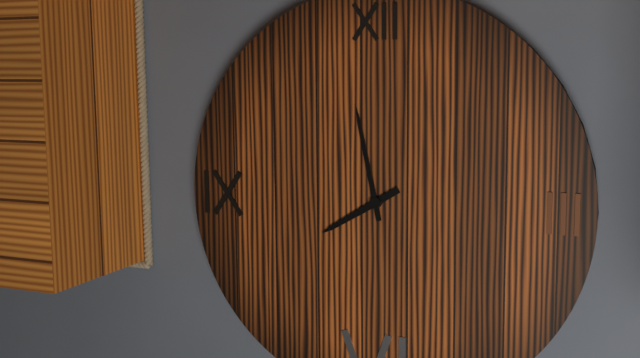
7:58
